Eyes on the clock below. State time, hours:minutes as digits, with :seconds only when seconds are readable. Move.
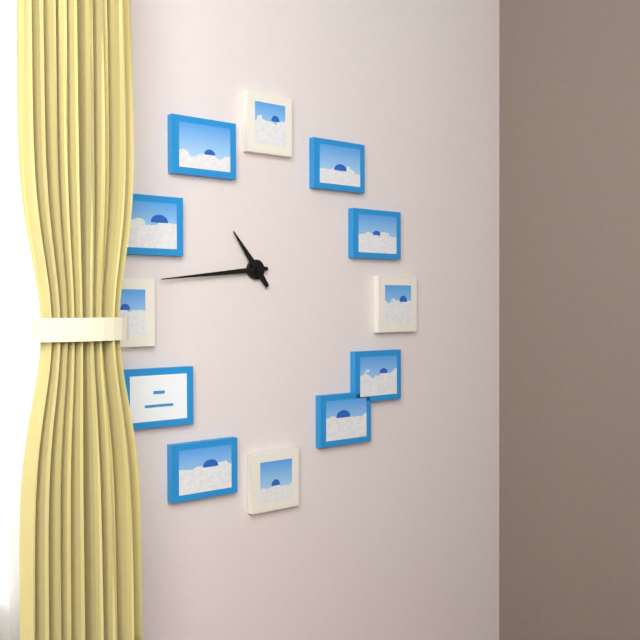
10:44
